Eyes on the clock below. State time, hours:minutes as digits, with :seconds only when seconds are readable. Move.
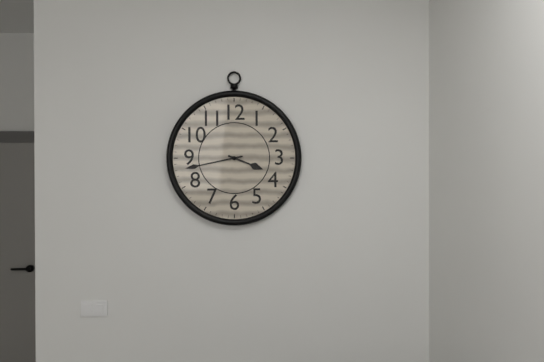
3:43
